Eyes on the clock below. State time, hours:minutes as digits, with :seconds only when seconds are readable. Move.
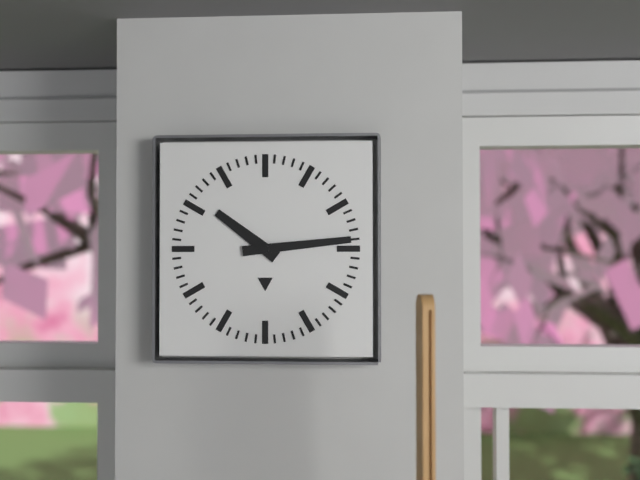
10:14
